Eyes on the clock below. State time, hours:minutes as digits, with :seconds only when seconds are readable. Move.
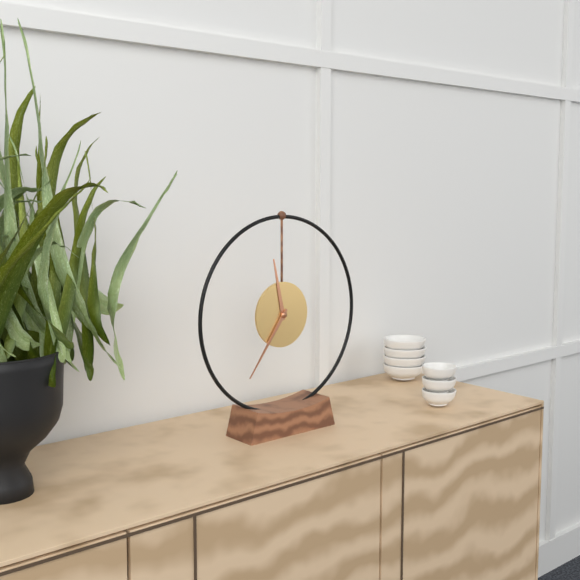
11:36
